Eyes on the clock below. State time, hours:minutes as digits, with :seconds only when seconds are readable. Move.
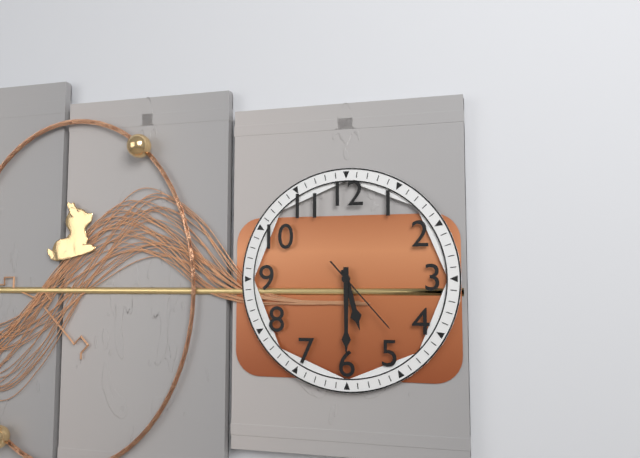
5:30:23
